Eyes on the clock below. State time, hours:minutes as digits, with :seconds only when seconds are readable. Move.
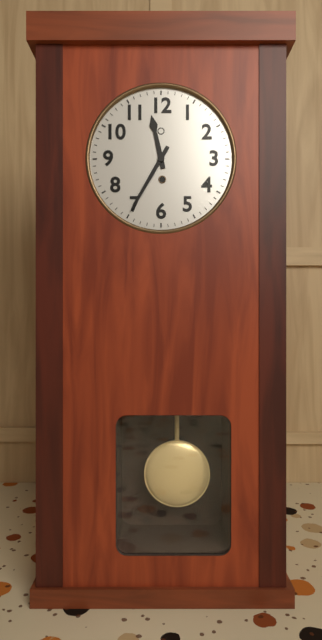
11:35
